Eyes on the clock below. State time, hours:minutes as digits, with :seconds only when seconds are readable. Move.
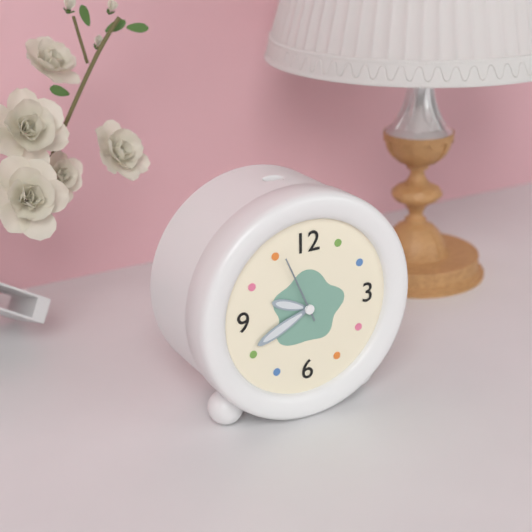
9:41:56
